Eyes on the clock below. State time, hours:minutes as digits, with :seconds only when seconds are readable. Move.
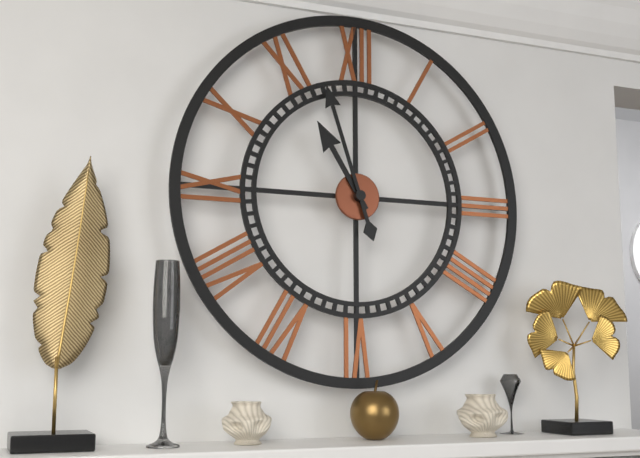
10:57
